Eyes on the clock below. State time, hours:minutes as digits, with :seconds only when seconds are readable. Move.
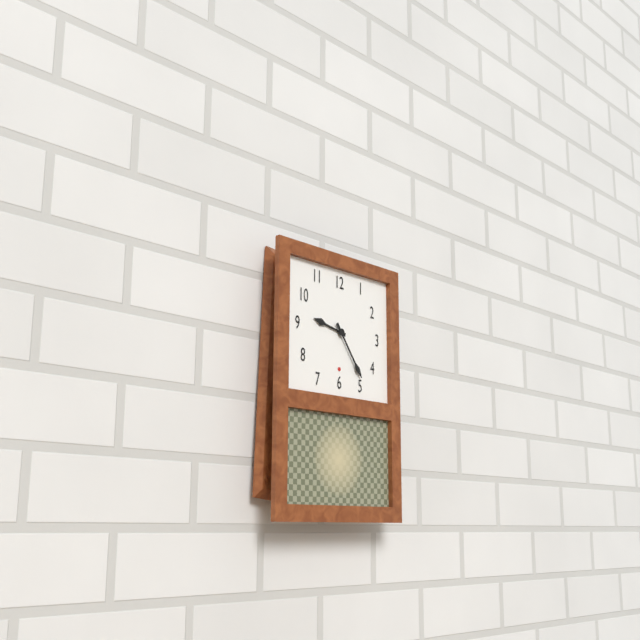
9:24
